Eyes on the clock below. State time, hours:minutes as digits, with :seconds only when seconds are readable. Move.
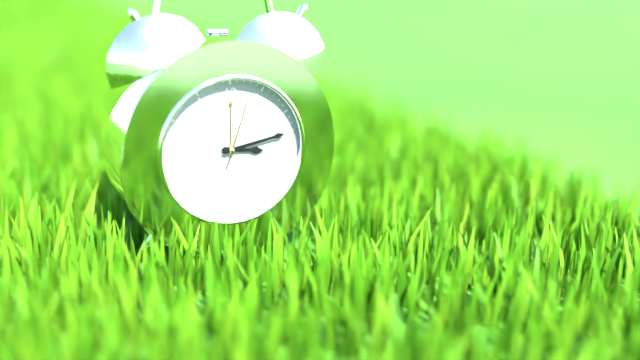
3:13:03
